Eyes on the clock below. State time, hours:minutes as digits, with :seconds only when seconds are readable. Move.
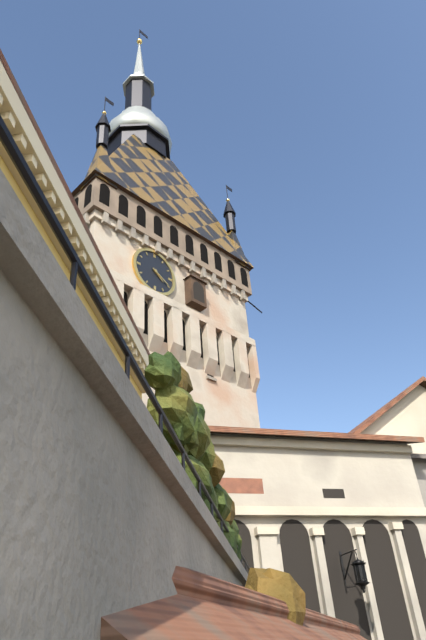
4:20
